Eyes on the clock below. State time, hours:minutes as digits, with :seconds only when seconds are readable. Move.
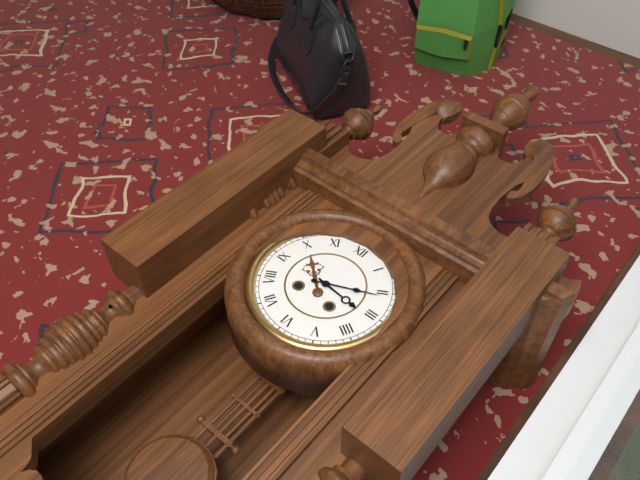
3:11
